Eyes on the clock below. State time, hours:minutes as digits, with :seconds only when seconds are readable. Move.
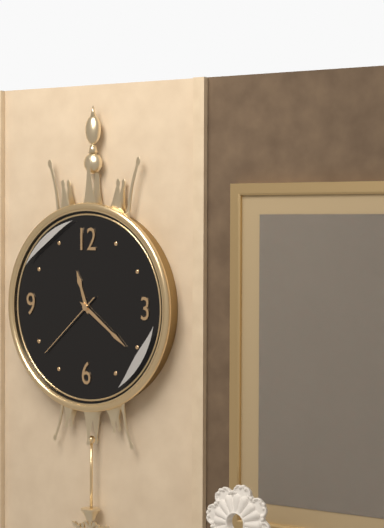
11:21:38
